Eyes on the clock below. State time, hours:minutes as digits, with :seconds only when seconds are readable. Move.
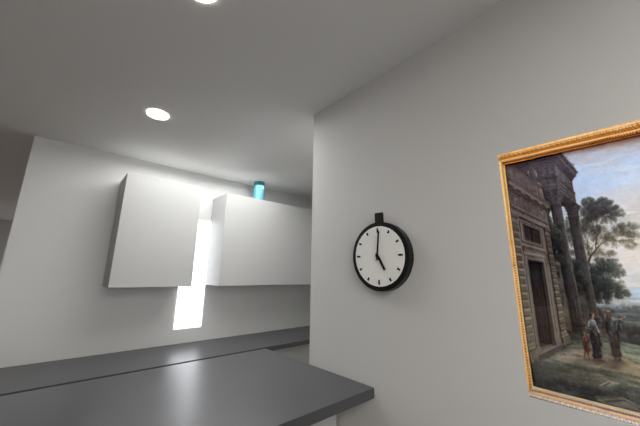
5:01
